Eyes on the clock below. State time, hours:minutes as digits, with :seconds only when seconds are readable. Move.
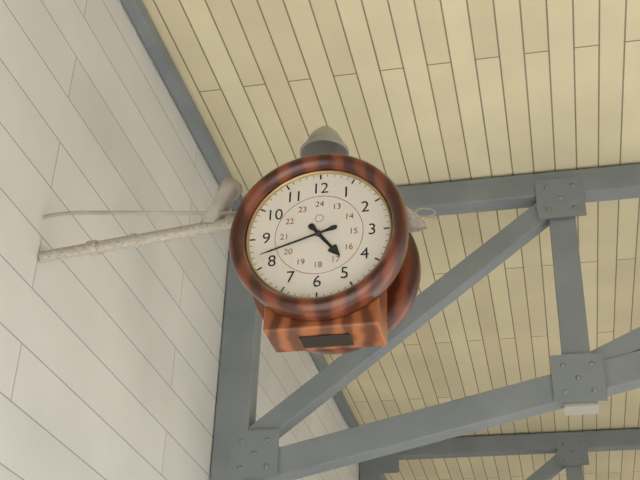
4:42
